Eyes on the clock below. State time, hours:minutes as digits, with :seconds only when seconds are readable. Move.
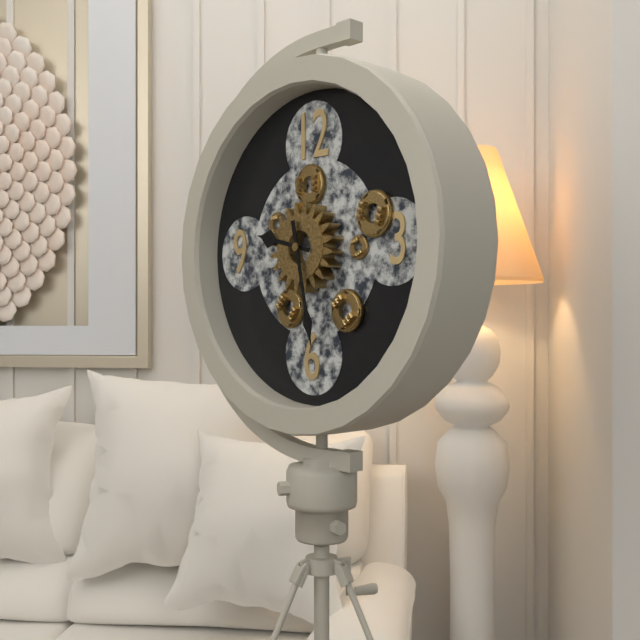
9:28
